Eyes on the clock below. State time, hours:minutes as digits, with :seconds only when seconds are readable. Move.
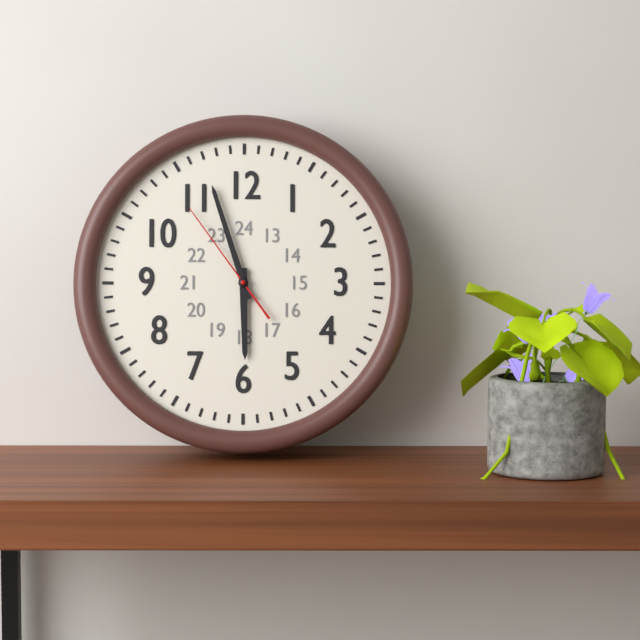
5:57:54
